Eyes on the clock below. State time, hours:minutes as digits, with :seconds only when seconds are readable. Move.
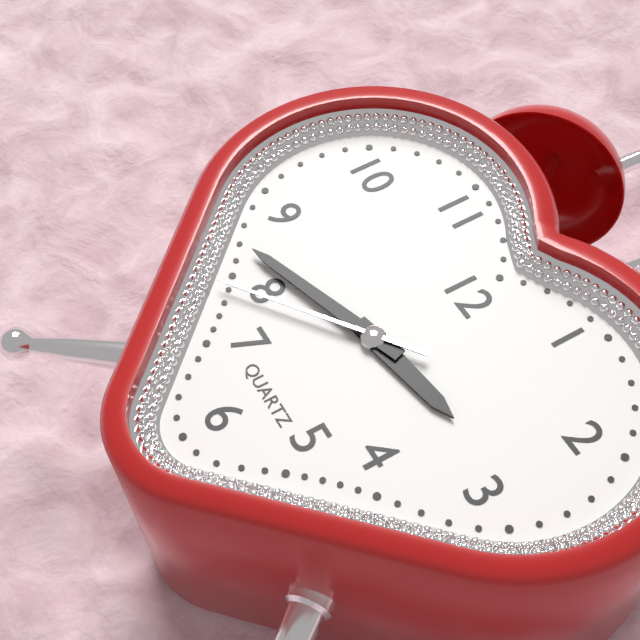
2:42:39
